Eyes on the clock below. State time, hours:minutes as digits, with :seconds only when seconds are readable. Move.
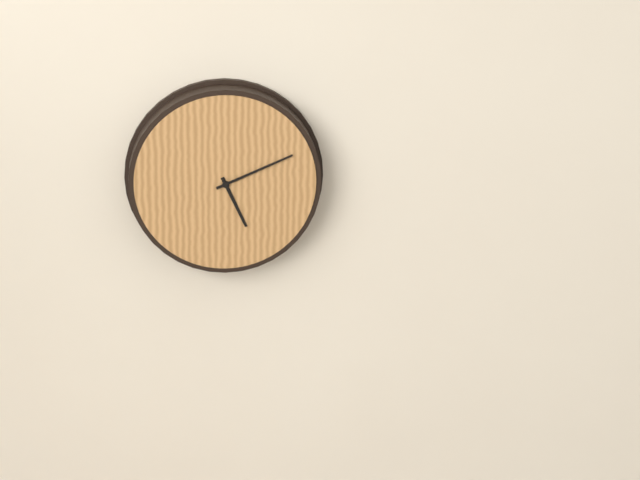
5:11
